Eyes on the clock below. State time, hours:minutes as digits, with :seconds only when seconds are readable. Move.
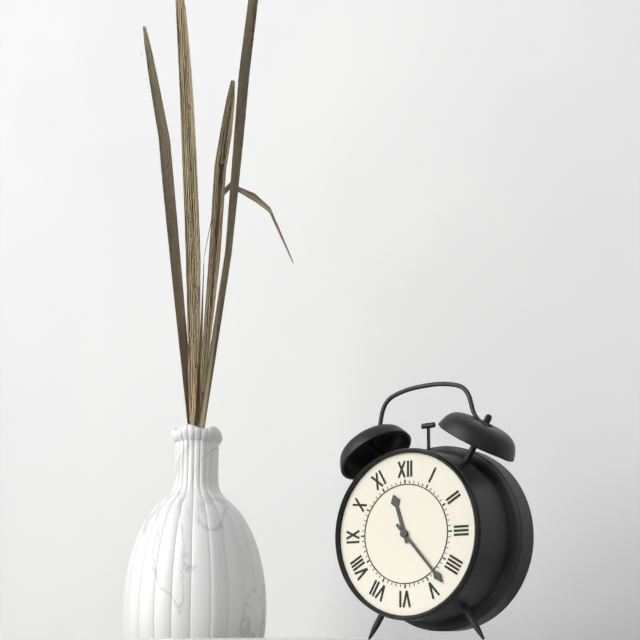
11:23
